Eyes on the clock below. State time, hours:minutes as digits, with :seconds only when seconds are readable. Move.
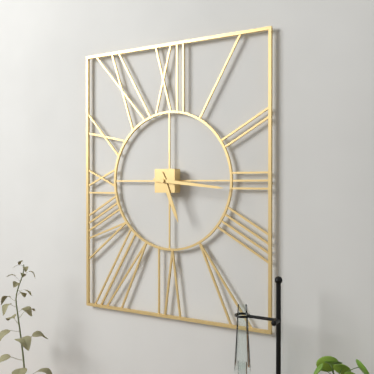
5:16
